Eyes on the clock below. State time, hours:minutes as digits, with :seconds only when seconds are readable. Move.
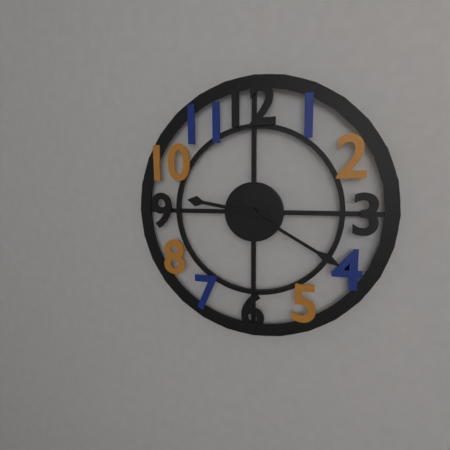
9:20
